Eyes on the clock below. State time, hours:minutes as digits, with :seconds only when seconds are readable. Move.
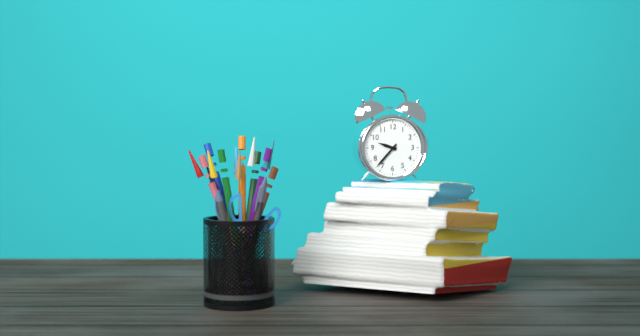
9:37
